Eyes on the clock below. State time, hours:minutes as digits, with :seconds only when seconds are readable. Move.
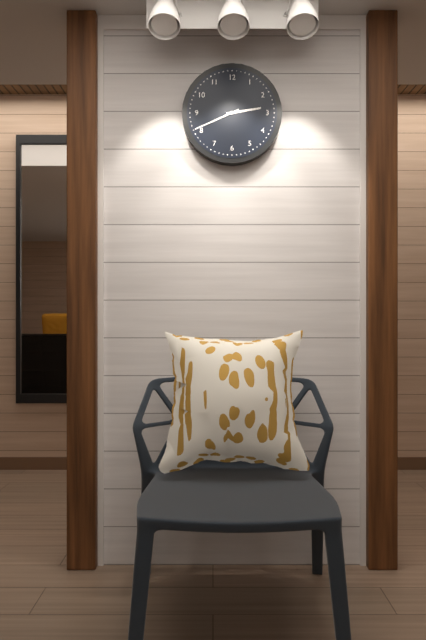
2:41
